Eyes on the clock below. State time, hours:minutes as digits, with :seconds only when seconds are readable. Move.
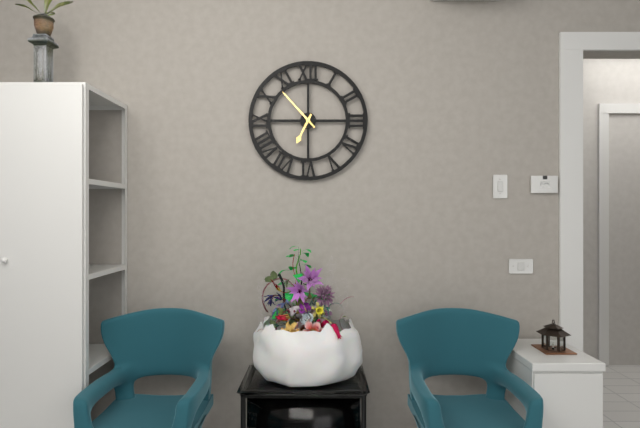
6:53
